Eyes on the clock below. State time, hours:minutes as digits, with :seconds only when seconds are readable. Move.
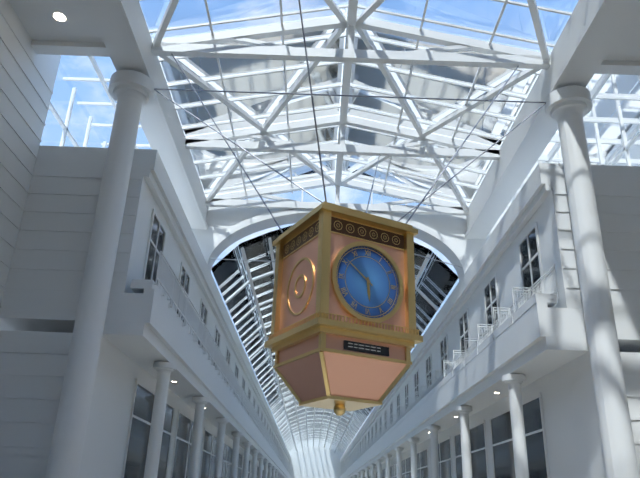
5:51
